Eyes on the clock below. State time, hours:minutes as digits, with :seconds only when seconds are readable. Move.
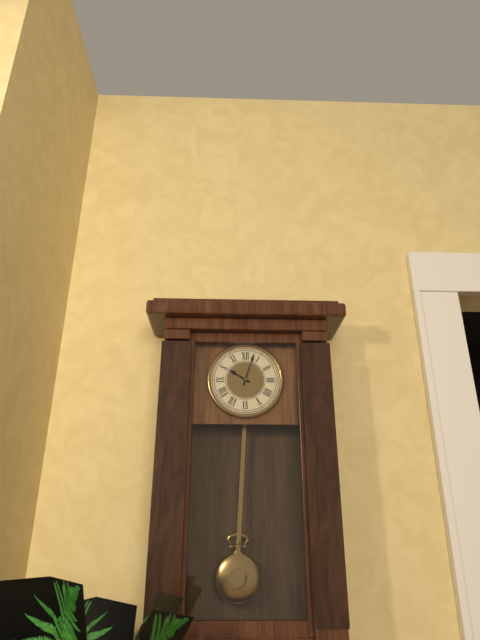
10:03
